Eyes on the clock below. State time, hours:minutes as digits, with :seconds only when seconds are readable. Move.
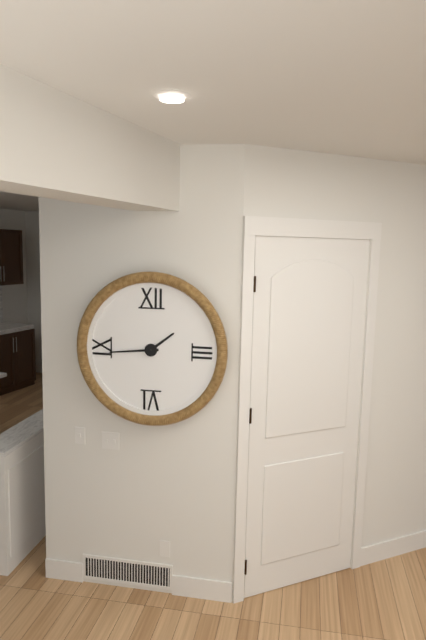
1:44
